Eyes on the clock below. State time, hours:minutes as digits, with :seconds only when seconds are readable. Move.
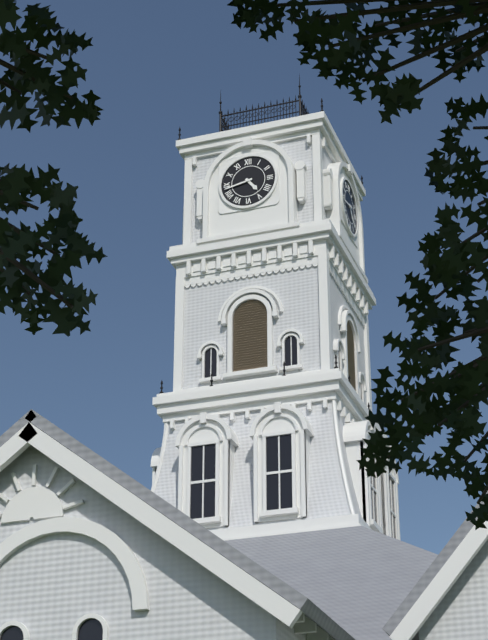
4:43
